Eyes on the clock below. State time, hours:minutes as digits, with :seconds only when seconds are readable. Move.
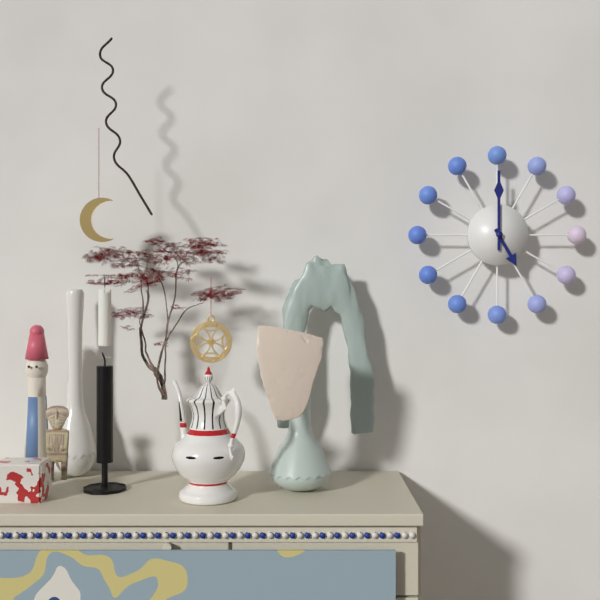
5:00
